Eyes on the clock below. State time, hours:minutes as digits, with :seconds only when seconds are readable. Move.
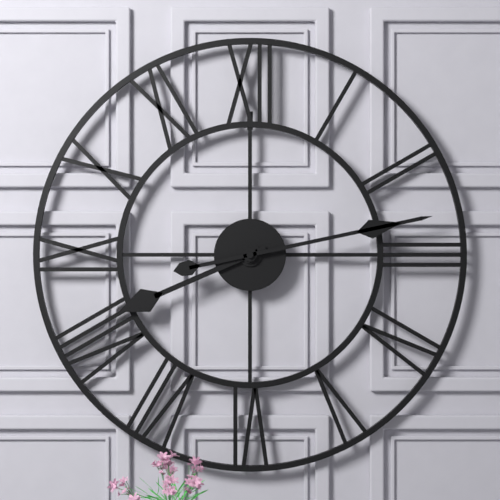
8:13
